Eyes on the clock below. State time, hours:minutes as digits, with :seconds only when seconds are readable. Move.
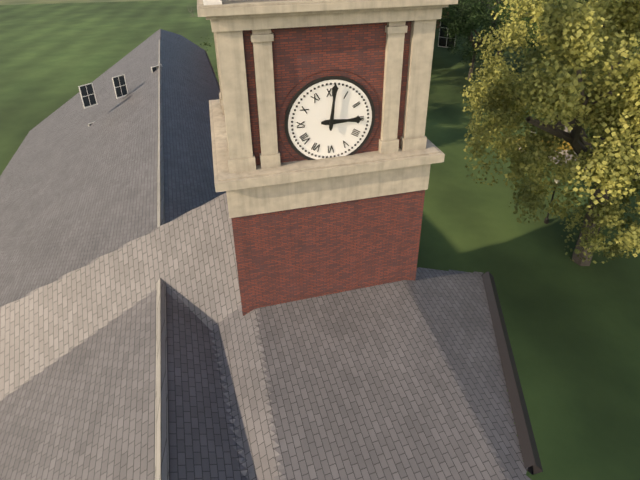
3:01
